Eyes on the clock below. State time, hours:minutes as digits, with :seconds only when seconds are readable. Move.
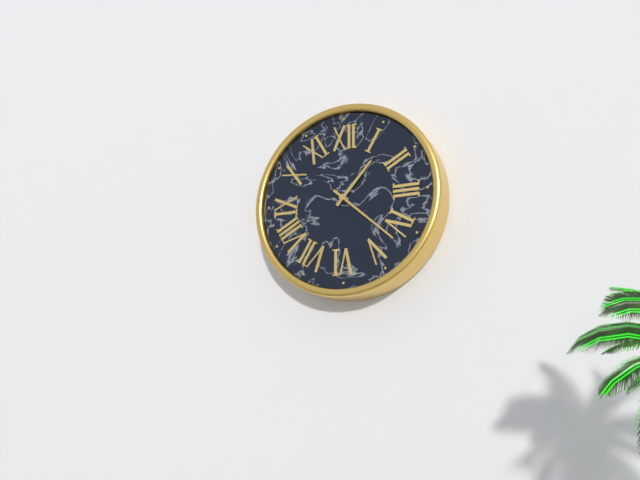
1:22
